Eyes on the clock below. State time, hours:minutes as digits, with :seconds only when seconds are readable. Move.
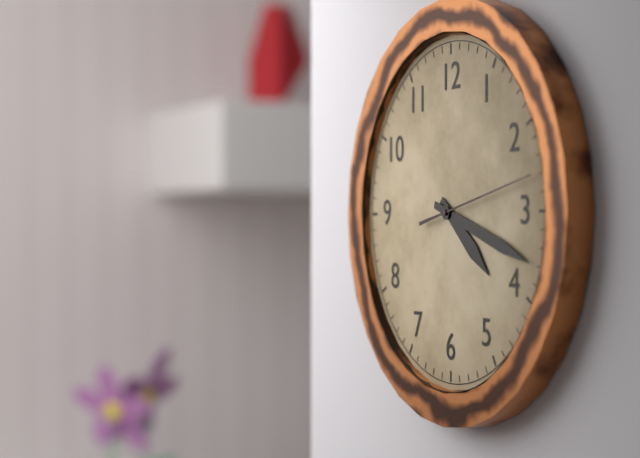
4:18:13
